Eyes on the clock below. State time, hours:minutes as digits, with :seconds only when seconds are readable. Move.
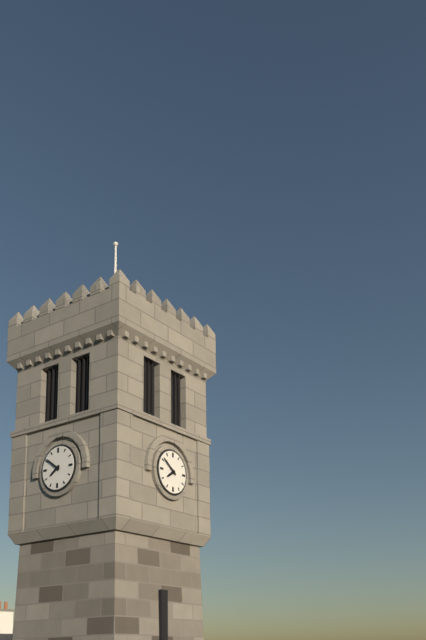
7:51
